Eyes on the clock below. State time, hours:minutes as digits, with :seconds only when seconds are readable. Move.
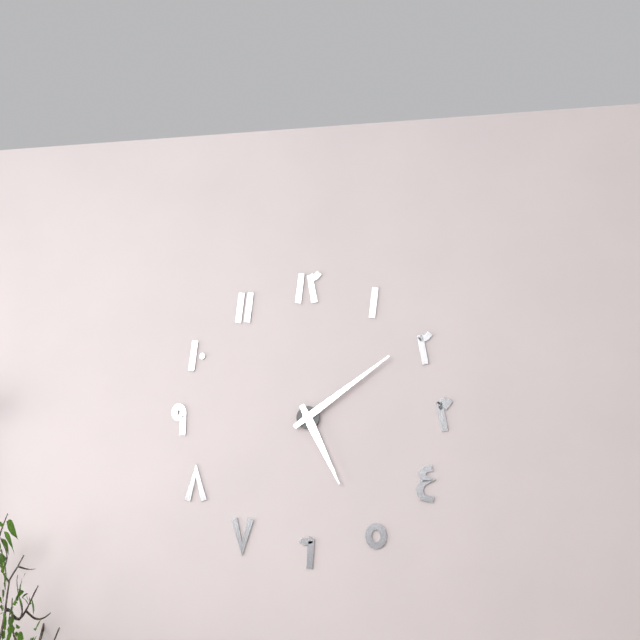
5:09
